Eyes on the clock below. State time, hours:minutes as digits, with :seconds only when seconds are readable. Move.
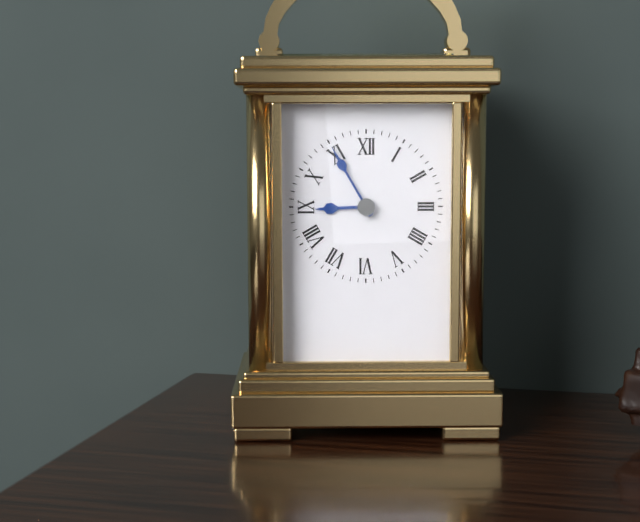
8:55
